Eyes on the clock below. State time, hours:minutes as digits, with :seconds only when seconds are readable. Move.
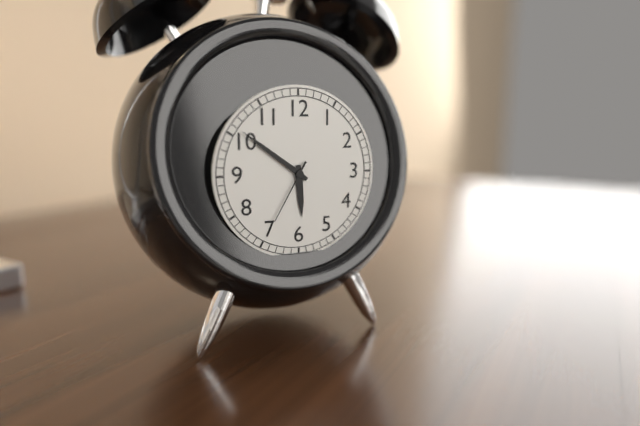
5:51:35
